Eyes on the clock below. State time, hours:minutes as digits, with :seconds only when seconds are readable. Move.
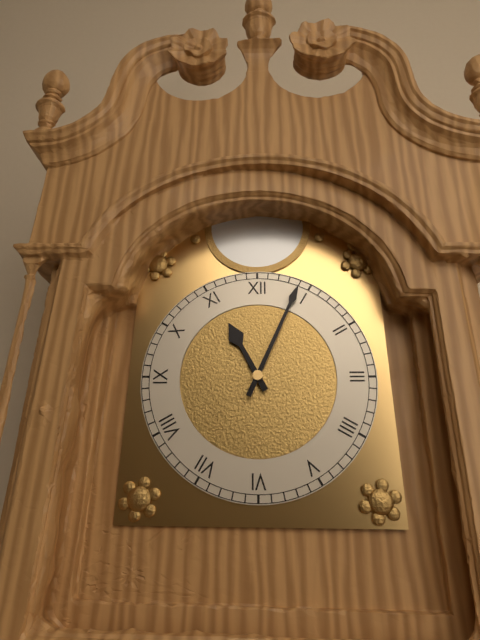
11:04
